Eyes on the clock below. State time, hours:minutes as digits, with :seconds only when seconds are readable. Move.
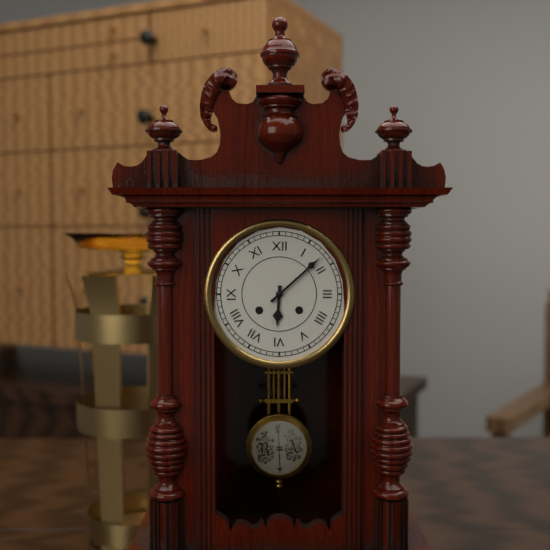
6:08
